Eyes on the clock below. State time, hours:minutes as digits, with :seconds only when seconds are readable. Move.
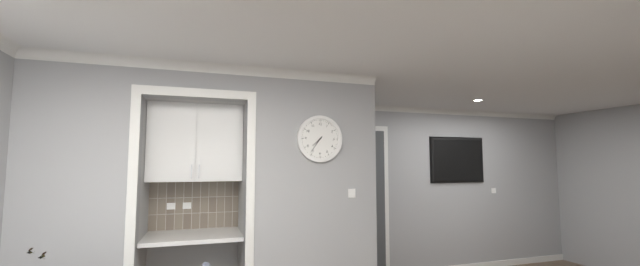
7:36
